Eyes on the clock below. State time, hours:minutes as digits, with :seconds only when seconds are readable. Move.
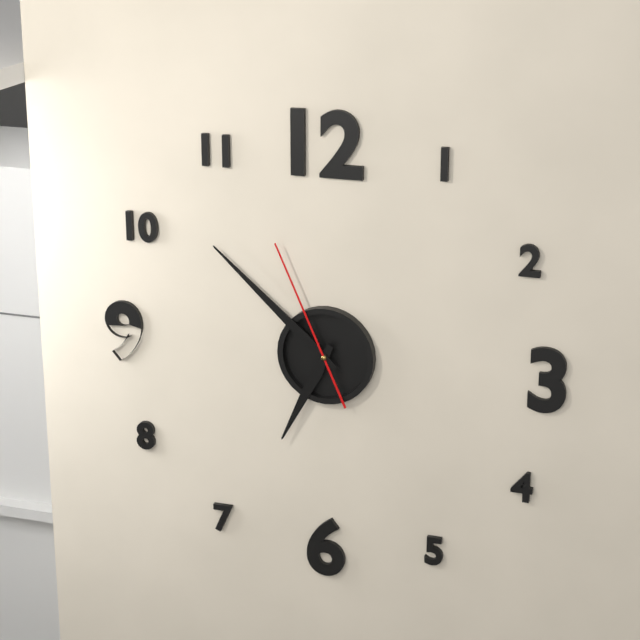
6:52:56
